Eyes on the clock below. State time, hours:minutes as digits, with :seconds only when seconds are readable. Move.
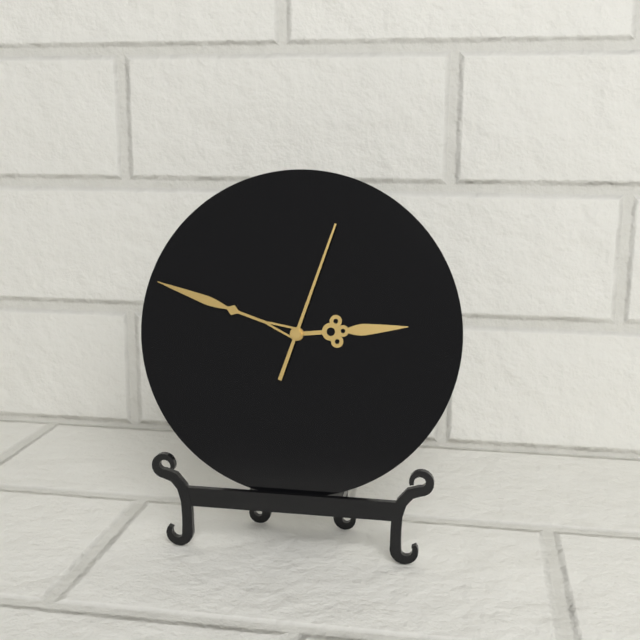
2:48:03
